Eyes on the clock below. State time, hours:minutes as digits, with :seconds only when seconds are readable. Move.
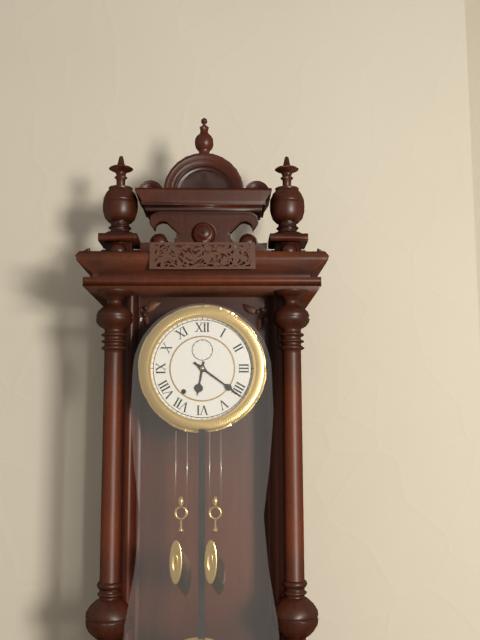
6:21
